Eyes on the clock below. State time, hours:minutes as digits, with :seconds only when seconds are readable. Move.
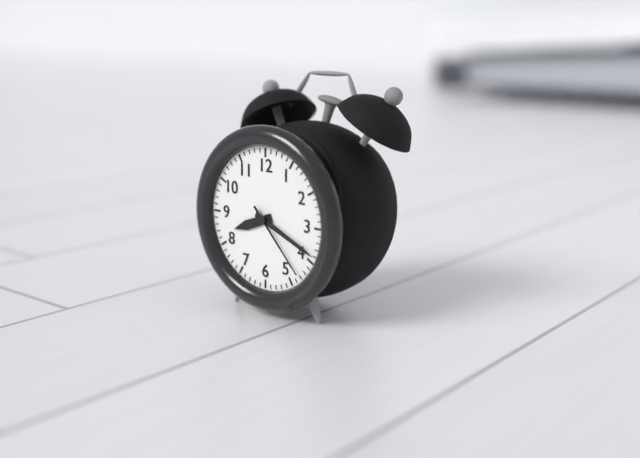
8:19:23
